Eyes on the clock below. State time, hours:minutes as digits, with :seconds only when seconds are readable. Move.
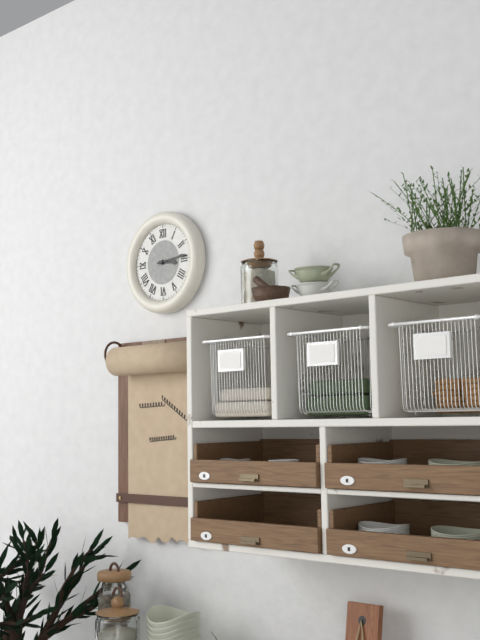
3:14
